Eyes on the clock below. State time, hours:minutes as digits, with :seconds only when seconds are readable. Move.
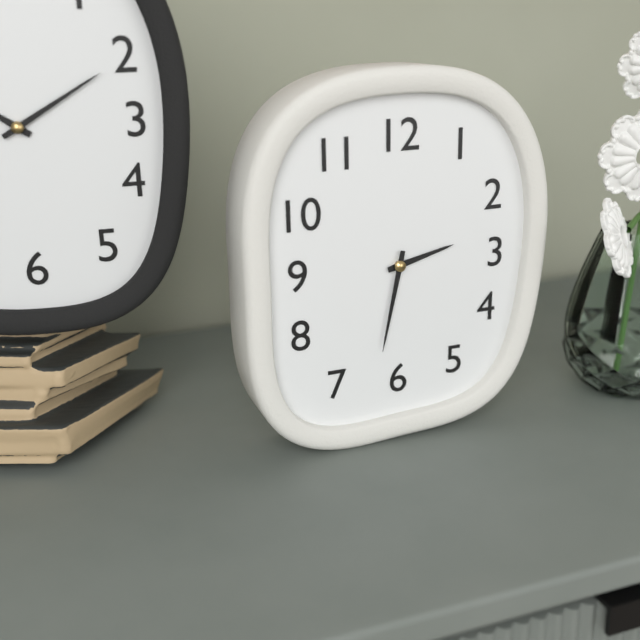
2:32
